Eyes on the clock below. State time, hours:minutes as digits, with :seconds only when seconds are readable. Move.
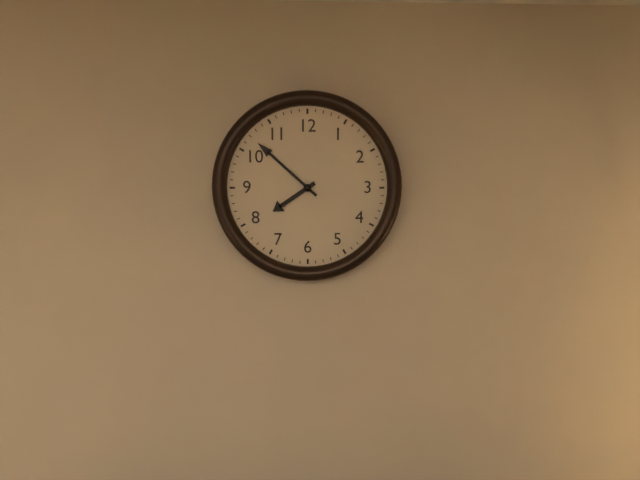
7:52
